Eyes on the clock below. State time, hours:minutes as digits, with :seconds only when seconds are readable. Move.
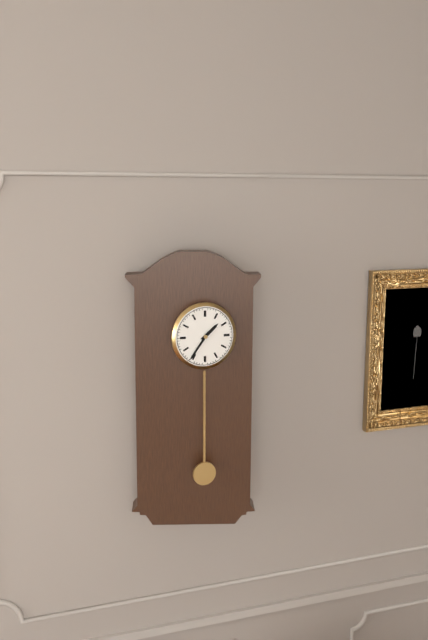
1:36
